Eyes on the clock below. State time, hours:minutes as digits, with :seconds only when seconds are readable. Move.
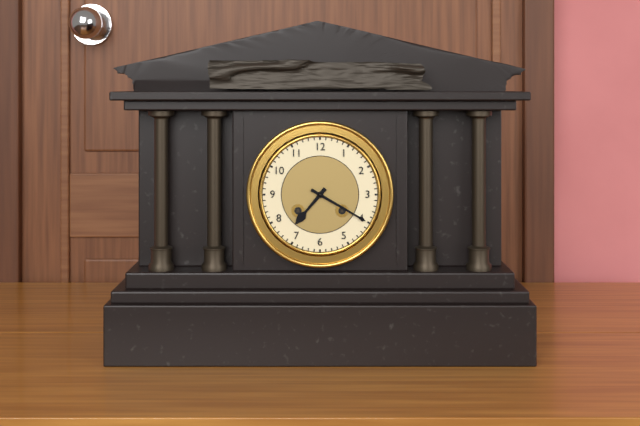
7:20
